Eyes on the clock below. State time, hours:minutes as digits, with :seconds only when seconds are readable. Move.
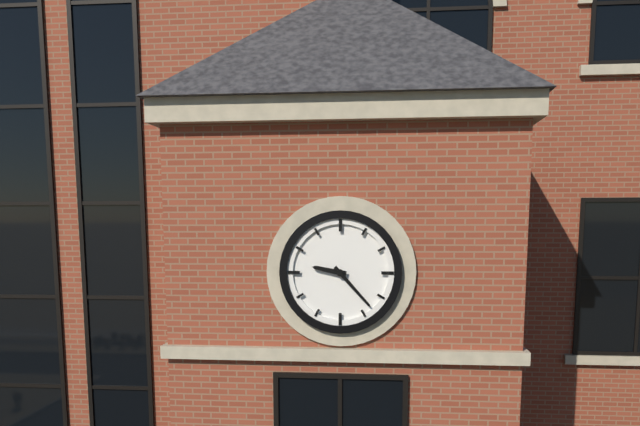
9:23
